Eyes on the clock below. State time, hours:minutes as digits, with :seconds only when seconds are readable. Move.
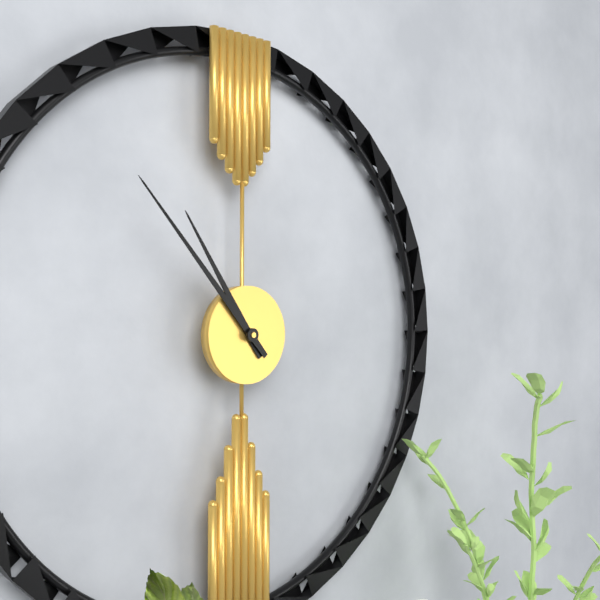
10:53
